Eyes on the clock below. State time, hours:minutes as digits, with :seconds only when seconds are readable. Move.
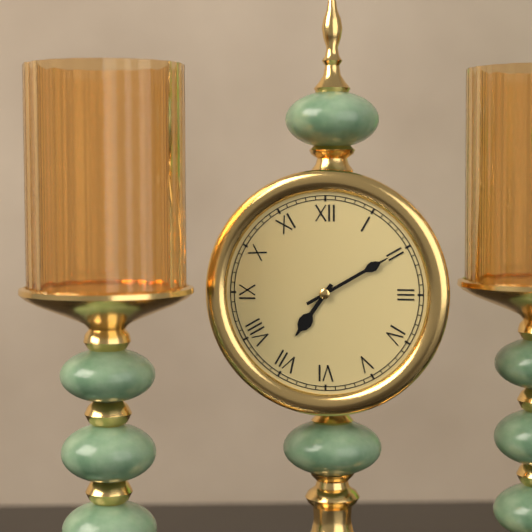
7:10
